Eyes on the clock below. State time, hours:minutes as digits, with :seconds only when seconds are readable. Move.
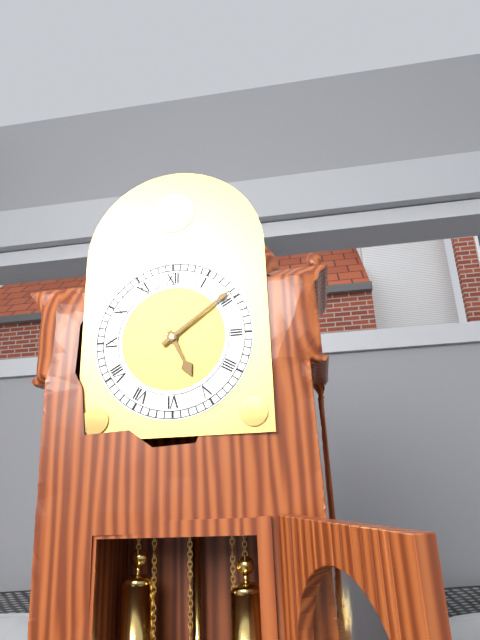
5:09
